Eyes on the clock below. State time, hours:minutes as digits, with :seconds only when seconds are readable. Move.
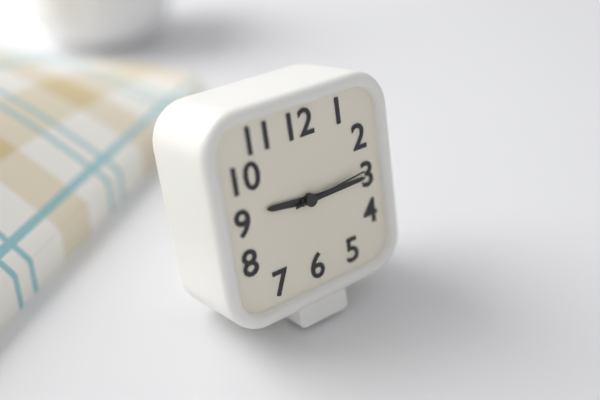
9:15:14
